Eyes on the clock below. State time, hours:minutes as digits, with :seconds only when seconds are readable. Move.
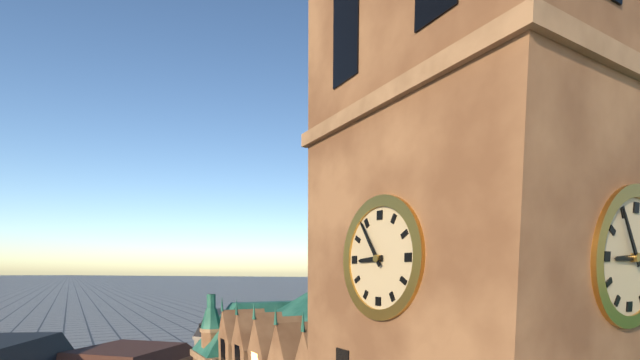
8:54
